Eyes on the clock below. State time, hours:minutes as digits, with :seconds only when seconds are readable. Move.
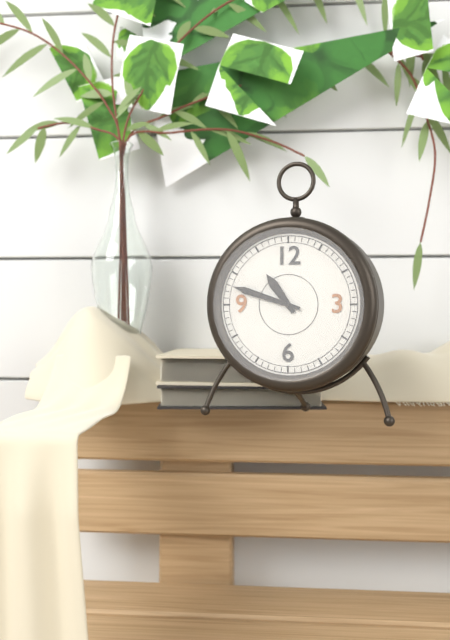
10:48
